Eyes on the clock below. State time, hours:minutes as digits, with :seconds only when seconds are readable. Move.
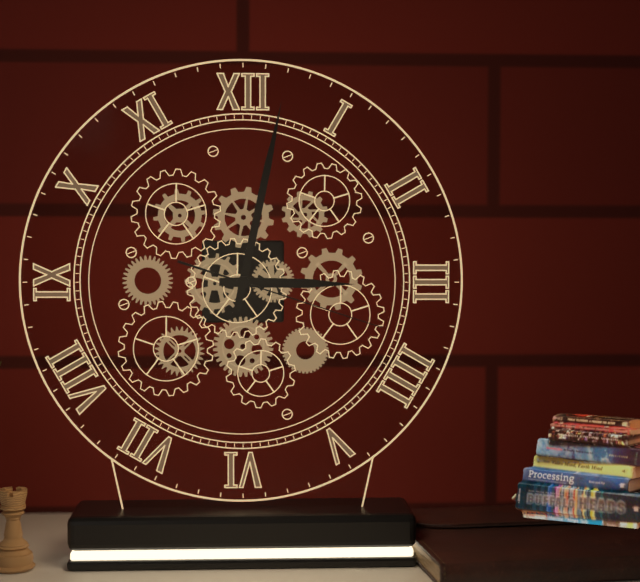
3:02:18
